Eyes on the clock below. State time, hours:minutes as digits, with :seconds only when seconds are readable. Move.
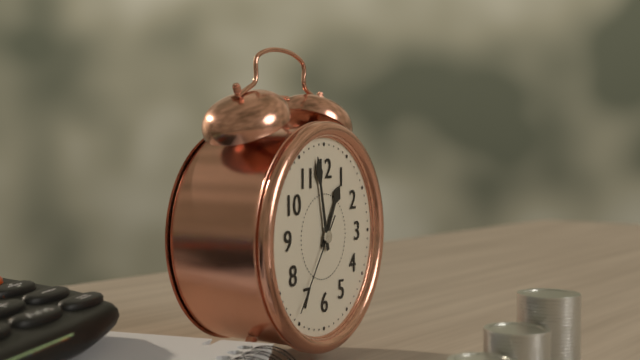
12:58:36
